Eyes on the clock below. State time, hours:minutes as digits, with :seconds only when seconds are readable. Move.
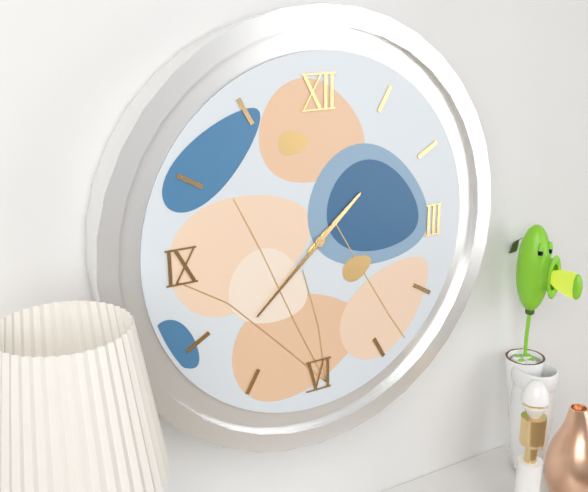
1:38
